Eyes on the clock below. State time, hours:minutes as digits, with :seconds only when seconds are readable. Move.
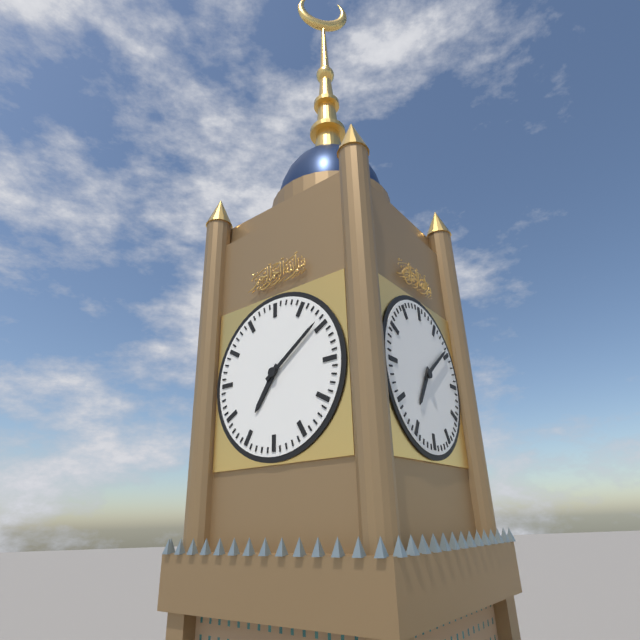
7:09
